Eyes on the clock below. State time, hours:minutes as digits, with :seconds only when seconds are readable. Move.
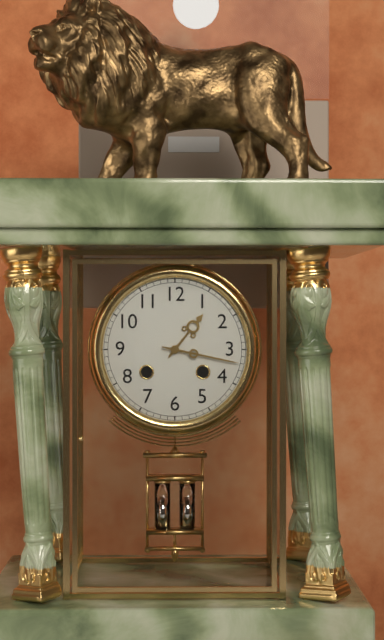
1:17
